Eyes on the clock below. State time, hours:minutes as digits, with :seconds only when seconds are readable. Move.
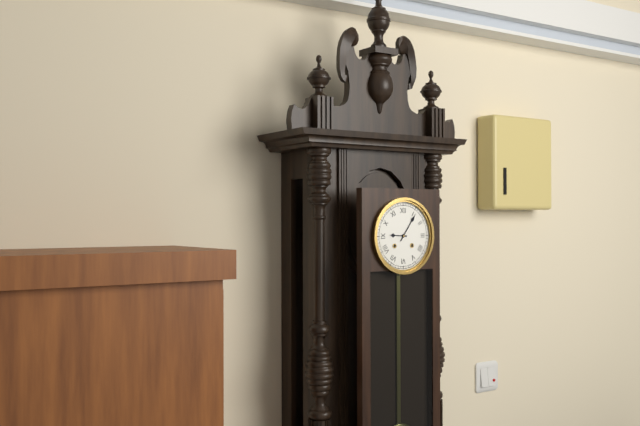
9:06
